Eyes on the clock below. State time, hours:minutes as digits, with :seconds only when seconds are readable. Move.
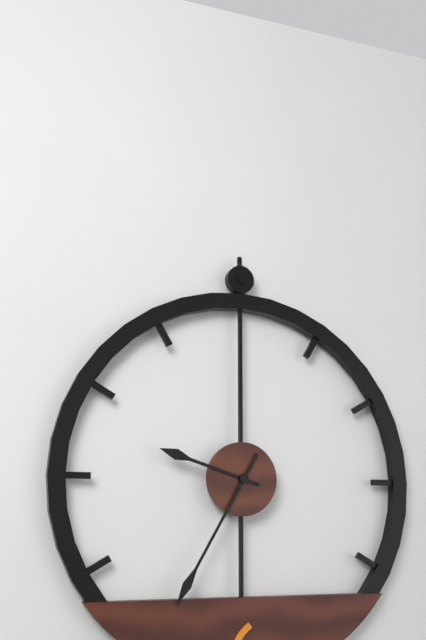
9:35
